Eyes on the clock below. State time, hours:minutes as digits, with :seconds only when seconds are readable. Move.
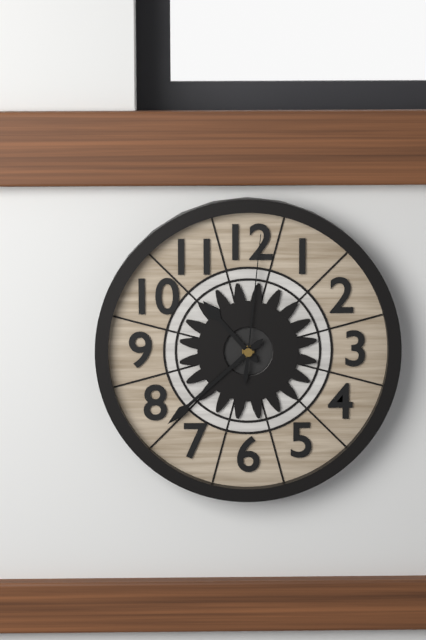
10:38:01
